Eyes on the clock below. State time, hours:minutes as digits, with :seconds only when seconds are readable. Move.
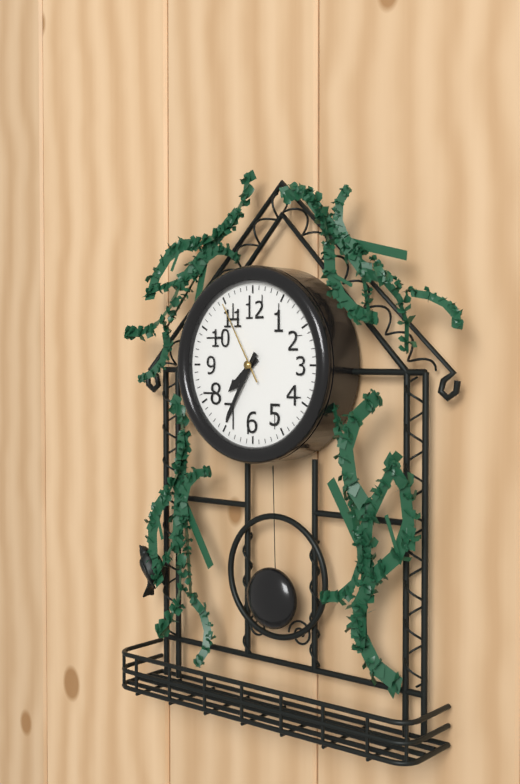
7:35:55
